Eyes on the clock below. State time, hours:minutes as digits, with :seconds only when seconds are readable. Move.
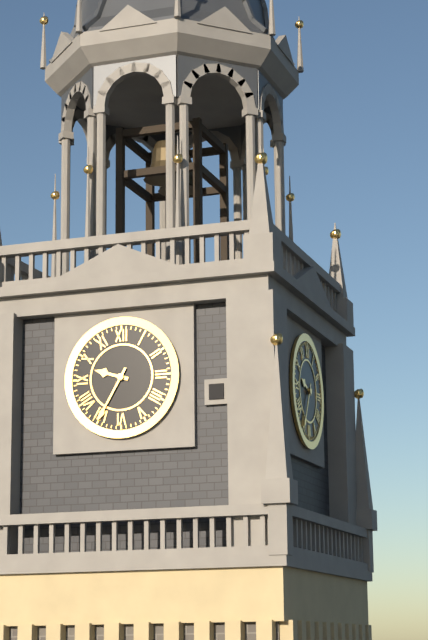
9:35
